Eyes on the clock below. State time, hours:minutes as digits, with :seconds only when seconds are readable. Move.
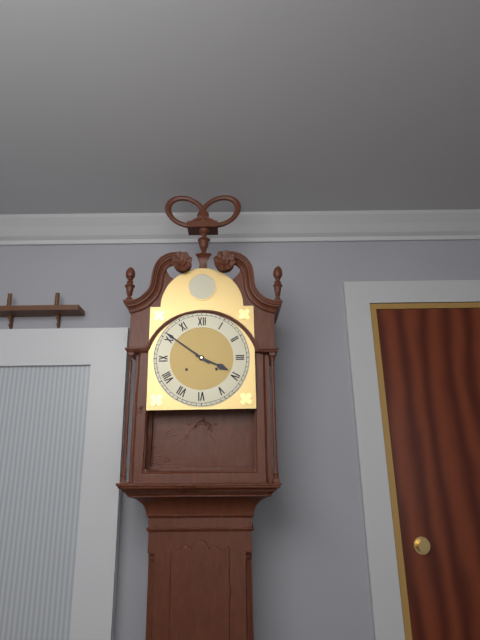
3:51
